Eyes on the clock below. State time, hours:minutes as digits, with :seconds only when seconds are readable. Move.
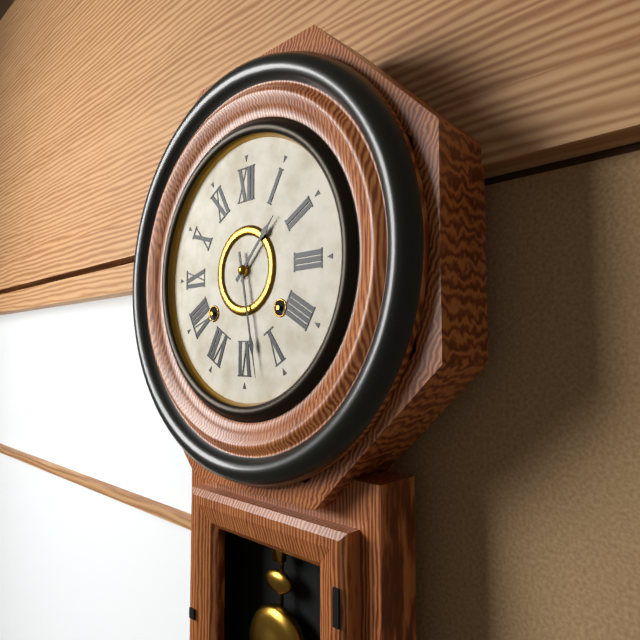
1:28
